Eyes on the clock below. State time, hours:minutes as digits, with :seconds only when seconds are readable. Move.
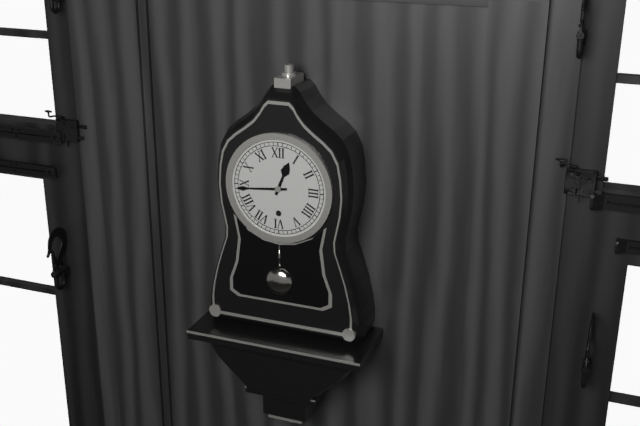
12:44
